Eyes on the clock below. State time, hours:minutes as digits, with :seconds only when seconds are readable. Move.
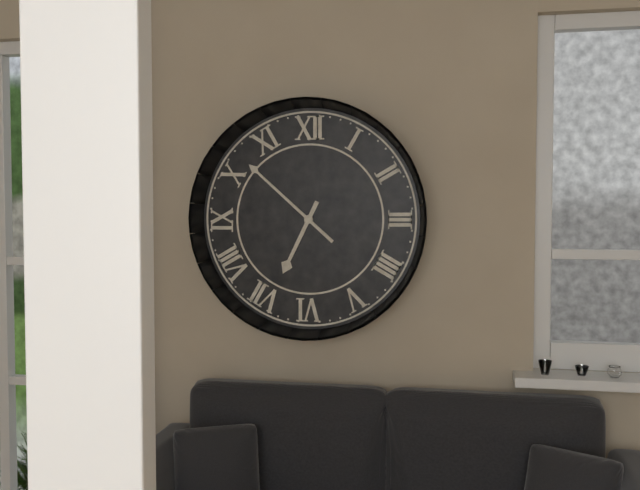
6:52
